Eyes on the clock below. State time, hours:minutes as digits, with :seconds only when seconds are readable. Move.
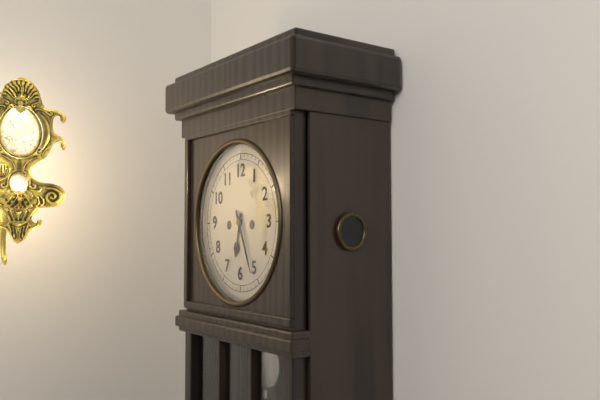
6:26
